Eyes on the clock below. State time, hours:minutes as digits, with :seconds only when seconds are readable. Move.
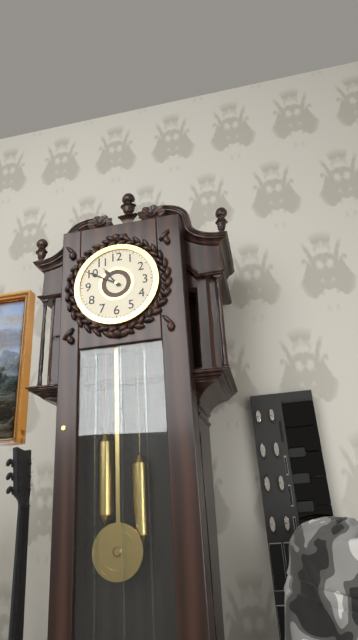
10:50
